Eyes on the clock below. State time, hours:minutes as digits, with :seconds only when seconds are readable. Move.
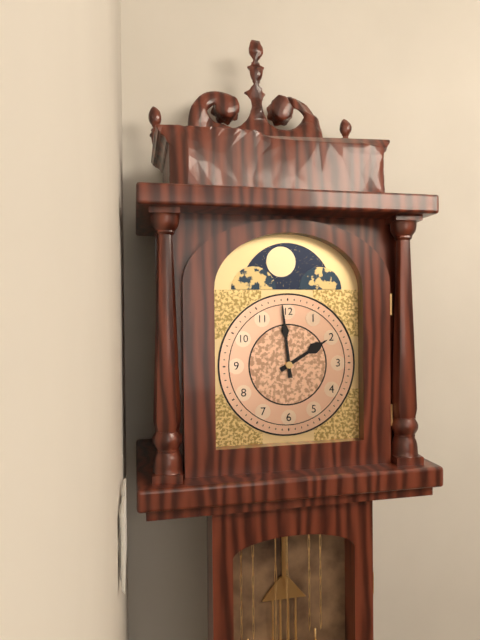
1:59
